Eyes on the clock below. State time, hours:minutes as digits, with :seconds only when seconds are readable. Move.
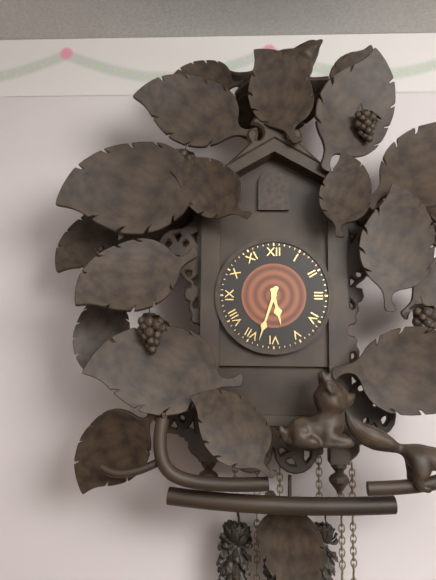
5:33
